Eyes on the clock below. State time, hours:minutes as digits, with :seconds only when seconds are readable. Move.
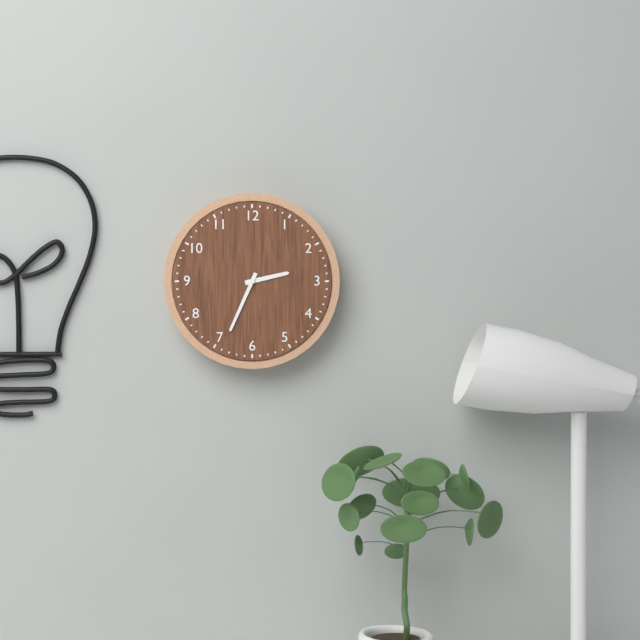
2:34
